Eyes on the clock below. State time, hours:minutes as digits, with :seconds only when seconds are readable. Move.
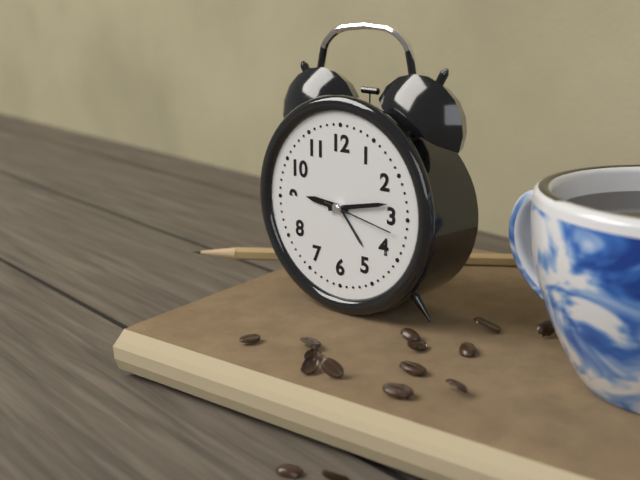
9:13:17
